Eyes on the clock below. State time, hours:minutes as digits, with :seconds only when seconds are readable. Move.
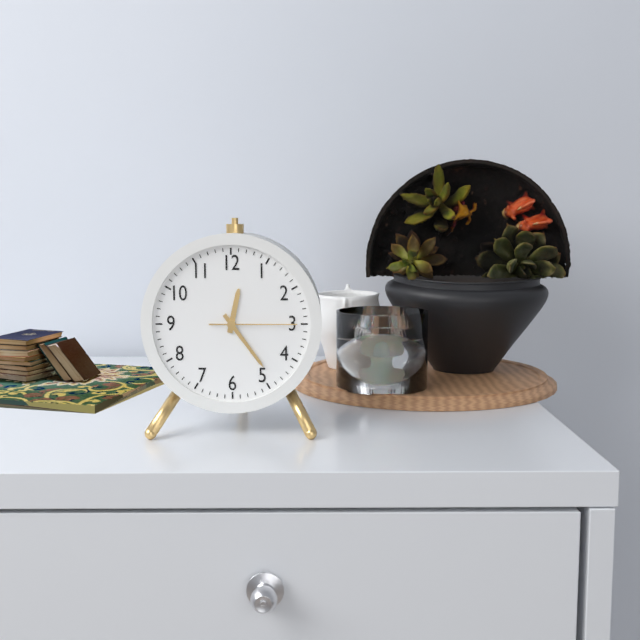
12:24:15
